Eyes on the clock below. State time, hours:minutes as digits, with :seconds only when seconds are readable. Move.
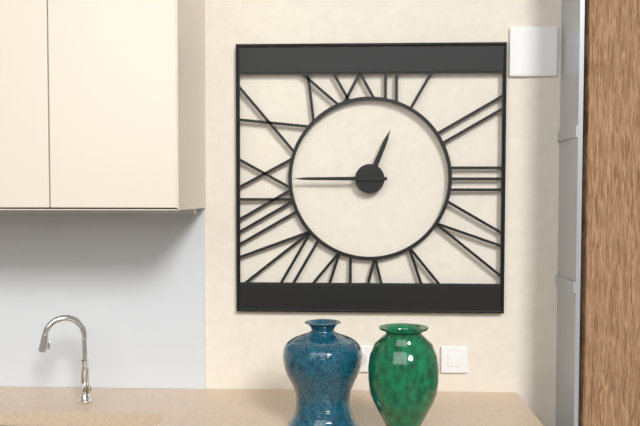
12:45
